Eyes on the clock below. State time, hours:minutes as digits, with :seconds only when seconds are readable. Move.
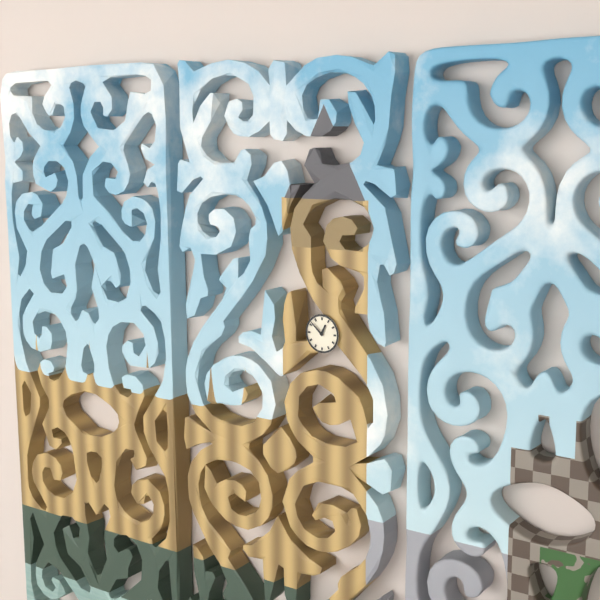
12:52
